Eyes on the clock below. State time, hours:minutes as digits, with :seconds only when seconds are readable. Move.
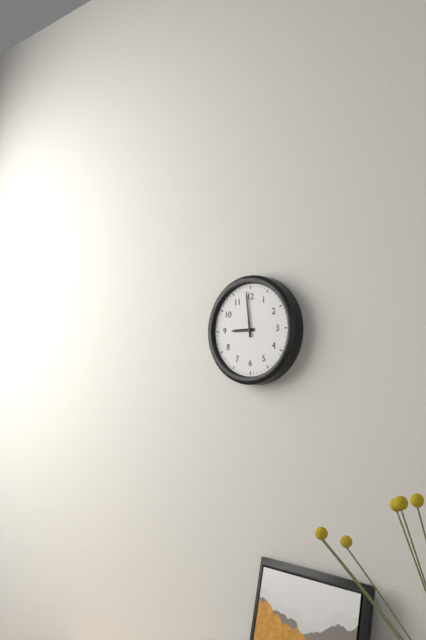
8:59
